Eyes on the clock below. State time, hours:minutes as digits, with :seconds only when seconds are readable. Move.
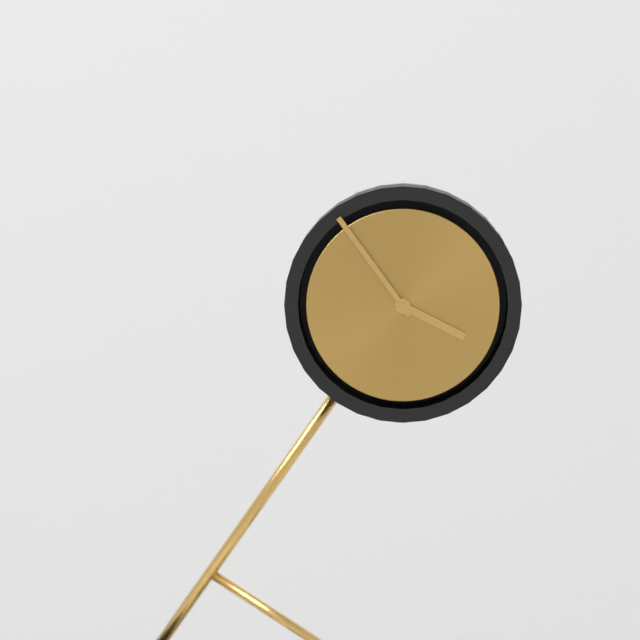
3:54
